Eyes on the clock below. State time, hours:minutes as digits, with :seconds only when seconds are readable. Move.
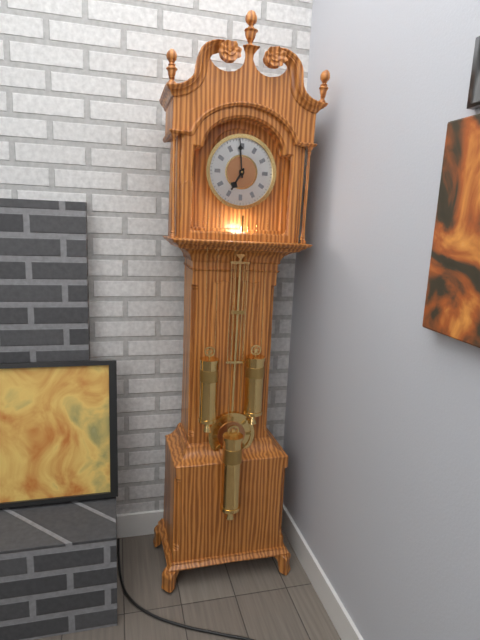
6:59
